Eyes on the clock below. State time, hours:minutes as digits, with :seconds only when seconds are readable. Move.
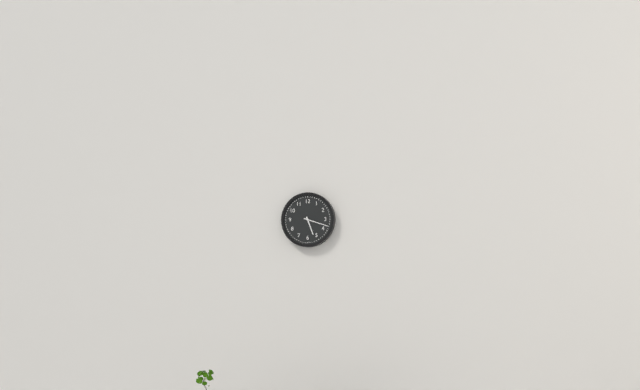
5:18
